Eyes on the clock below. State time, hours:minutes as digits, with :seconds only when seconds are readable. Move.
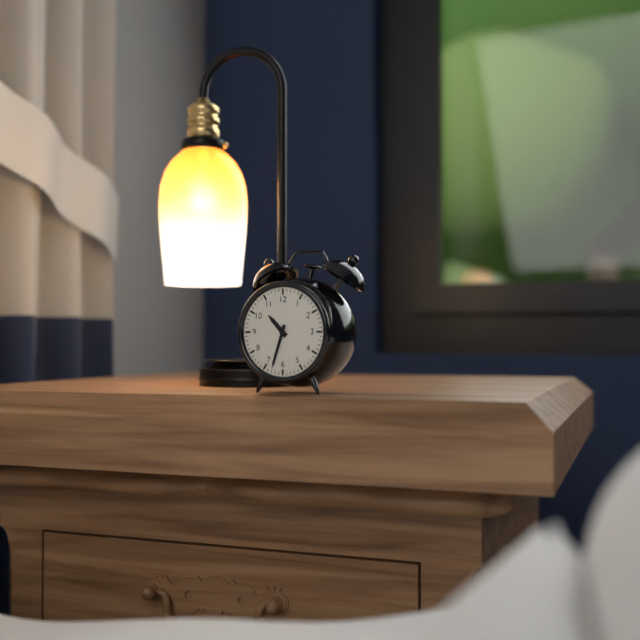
10:33
